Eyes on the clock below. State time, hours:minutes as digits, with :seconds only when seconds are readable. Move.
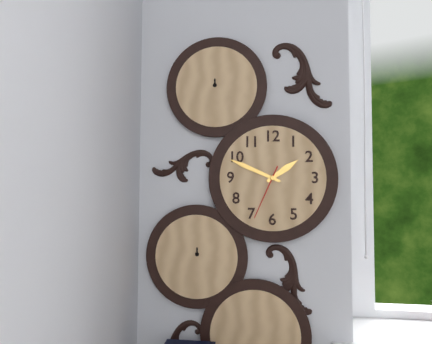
1:49:34
